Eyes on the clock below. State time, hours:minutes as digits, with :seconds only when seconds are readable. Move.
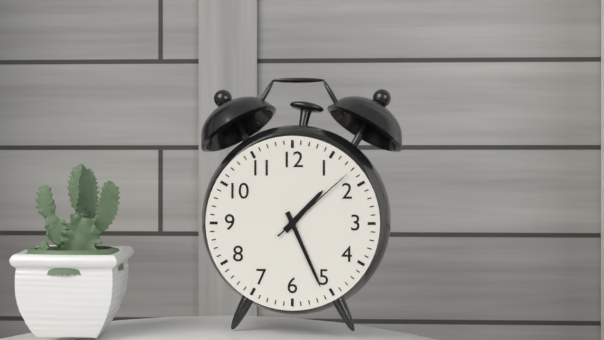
1:26:08
